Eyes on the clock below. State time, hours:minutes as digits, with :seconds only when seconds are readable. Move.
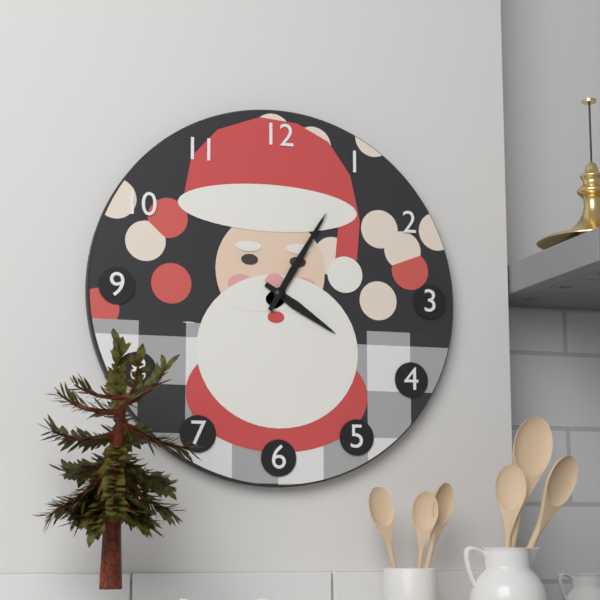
4:05
